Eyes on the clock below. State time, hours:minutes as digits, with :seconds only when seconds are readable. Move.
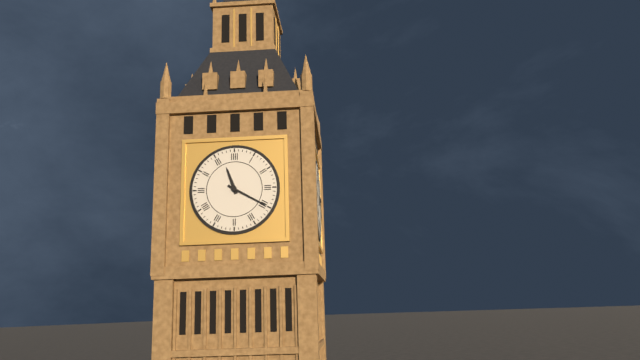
11:20
